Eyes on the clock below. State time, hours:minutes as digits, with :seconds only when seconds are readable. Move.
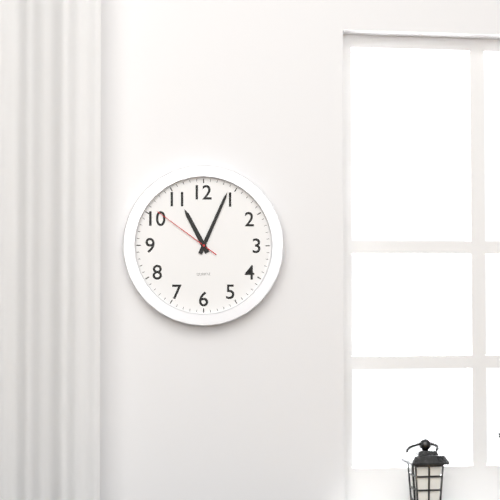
11:04:51
